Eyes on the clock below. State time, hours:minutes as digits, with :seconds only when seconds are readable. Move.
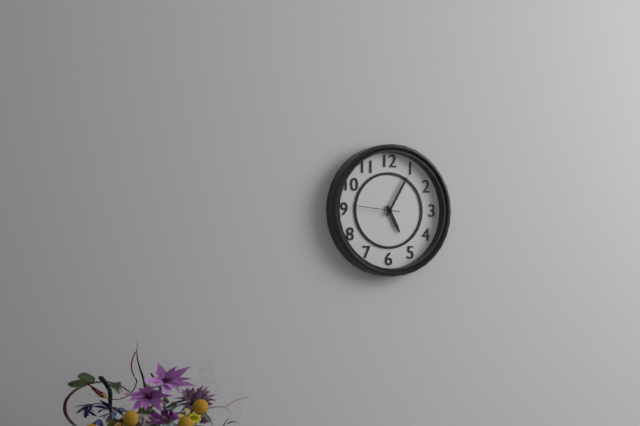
5:05
